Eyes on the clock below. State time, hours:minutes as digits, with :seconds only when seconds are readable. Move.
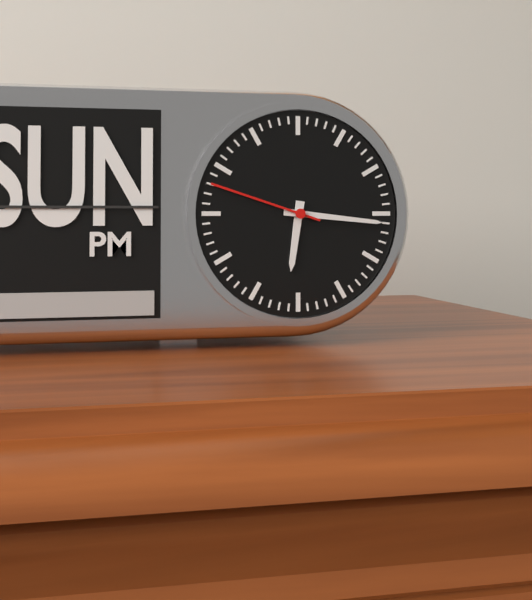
6:16:48
